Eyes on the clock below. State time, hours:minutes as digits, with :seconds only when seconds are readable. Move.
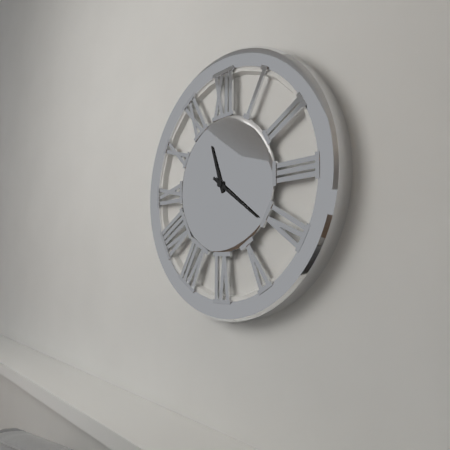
11:21
